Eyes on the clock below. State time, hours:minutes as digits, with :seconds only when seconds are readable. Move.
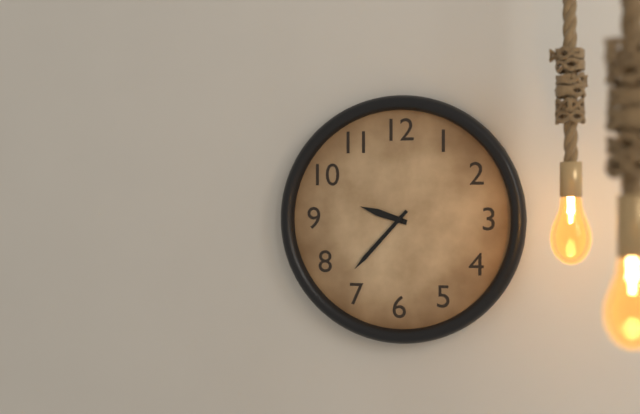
9:37
